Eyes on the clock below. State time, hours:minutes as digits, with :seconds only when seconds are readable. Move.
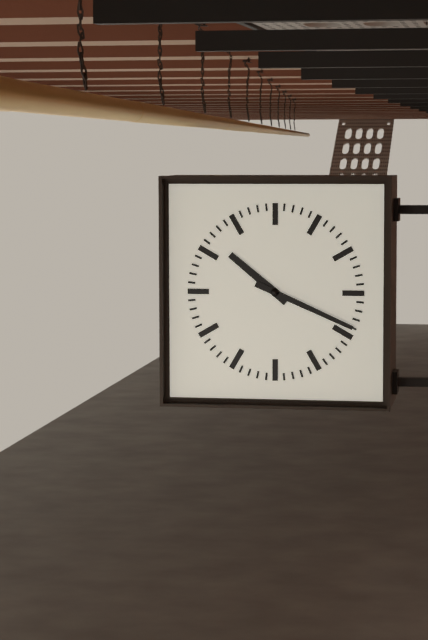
10:19
